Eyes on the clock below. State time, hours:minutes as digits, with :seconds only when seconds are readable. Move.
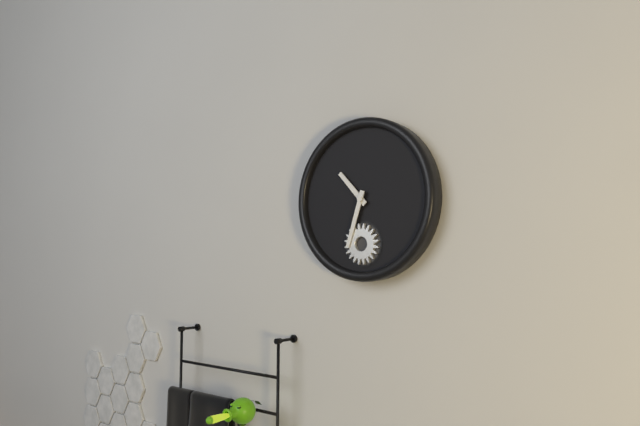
10:33
